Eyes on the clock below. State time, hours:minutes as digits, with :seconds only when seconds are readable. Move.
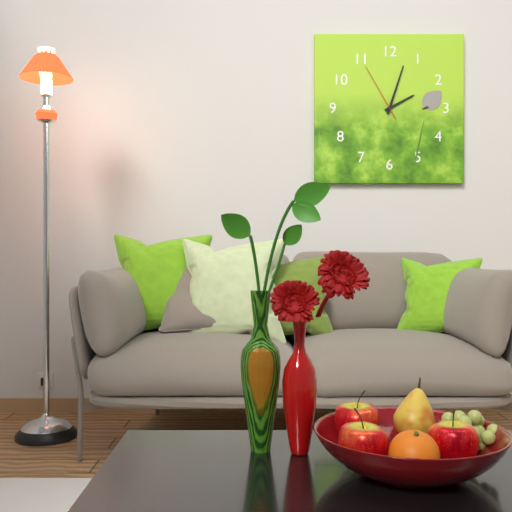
2:03:55
